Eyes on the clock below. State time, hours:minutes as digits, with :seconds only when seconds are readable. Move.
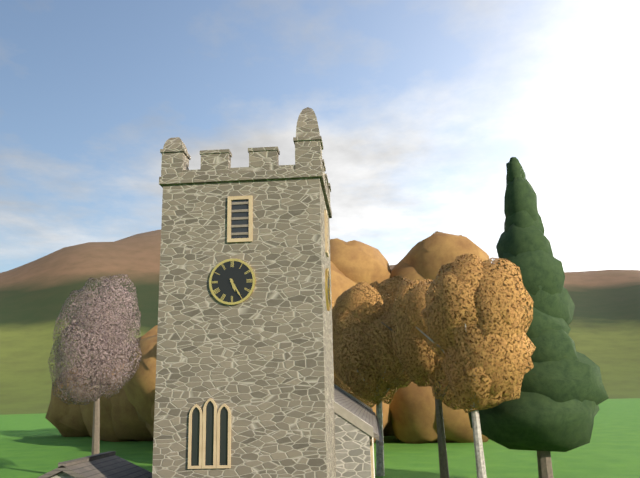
5:25
